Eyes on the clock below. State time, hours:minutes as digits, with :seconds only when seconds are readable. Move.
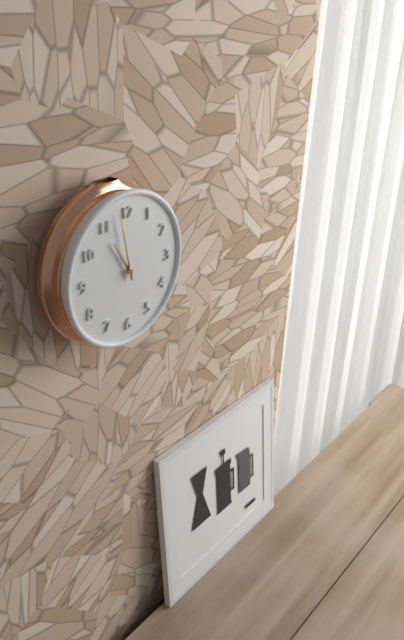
10:58
